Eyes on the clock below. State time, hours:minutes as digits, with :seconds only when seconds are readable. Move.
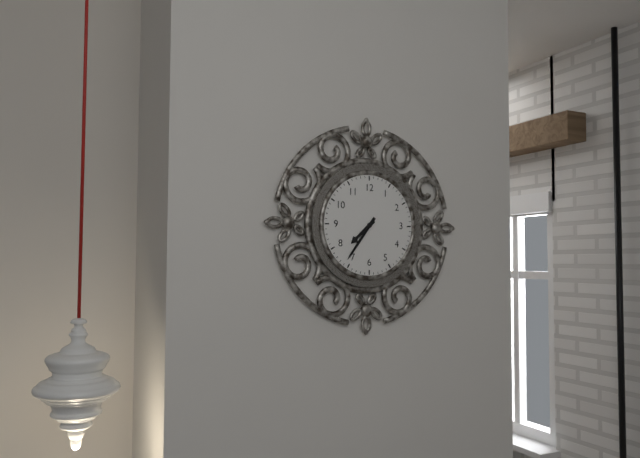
7:36
